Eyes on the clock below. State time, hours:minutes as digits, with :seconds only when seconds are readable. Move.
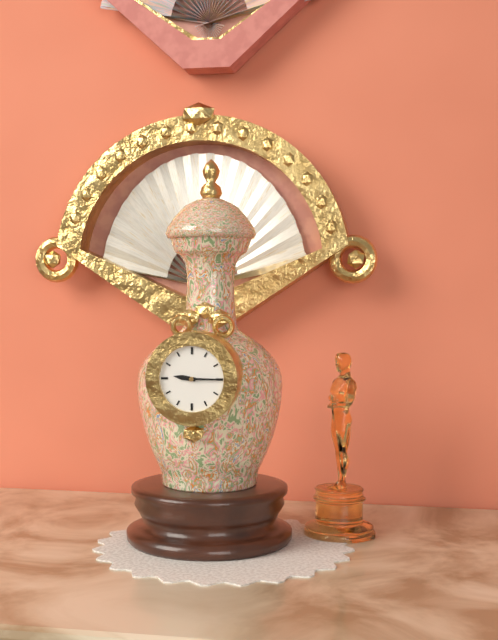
9:15
